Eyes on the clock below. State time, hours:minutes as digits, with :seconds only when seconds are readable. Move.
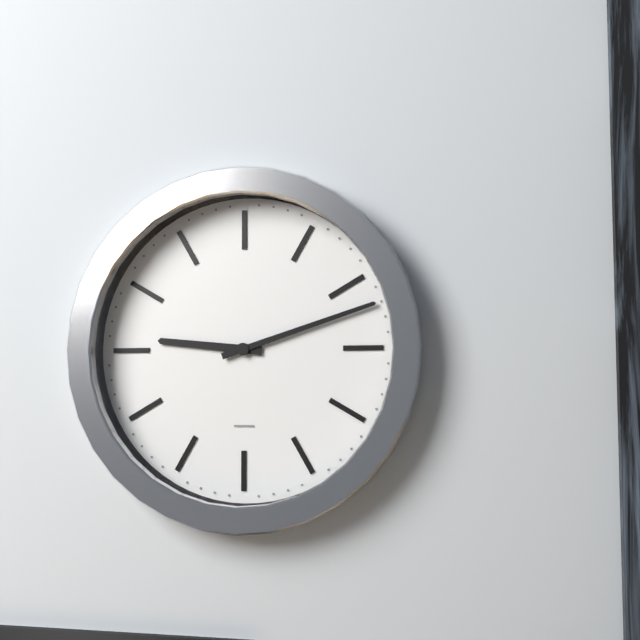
9:12
